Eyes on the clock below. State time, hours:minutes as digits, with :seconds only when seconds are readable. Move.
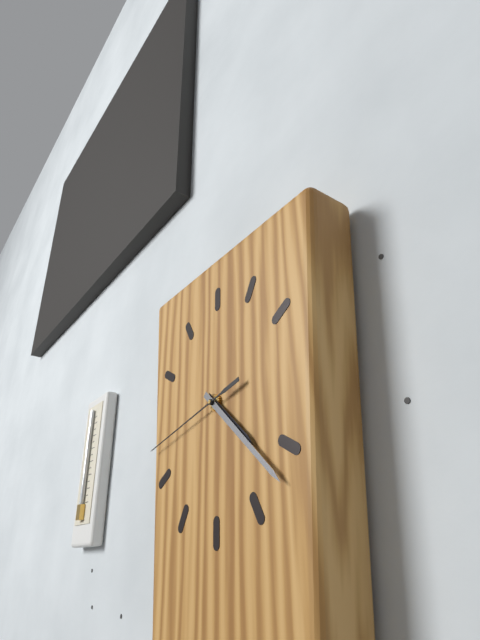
4:22:43
